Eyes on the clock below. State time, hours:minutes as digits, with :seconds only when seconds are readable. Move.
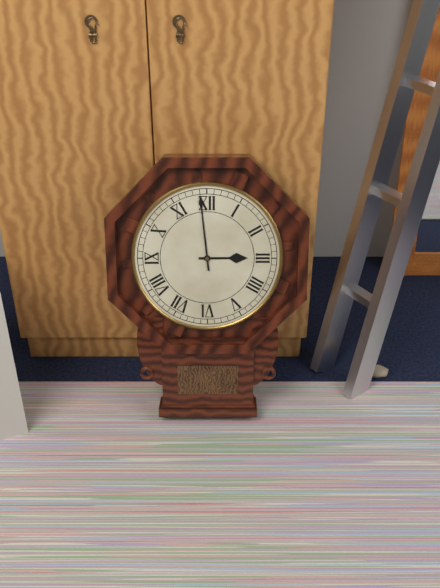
2:59
